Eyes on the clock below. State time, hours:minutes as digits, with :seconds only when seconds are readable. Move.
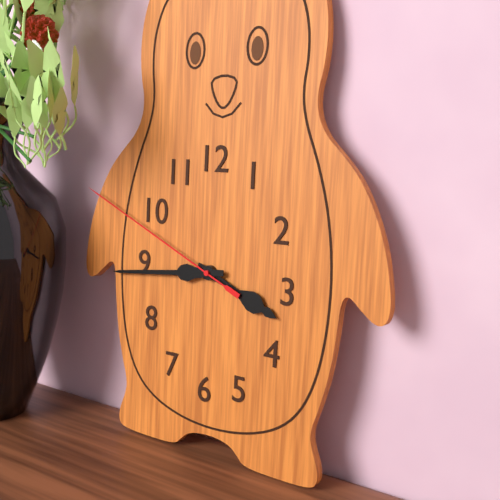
3:44:49
